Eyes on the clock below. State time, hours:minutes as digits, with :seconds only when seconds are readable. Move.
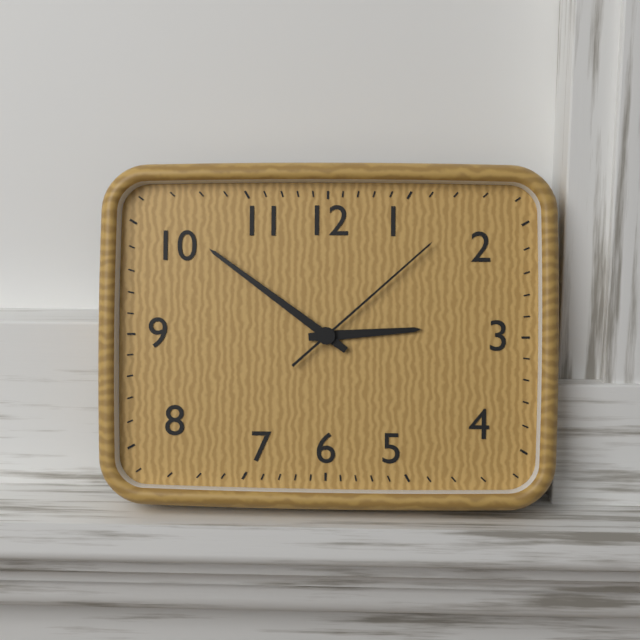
2:51:08
